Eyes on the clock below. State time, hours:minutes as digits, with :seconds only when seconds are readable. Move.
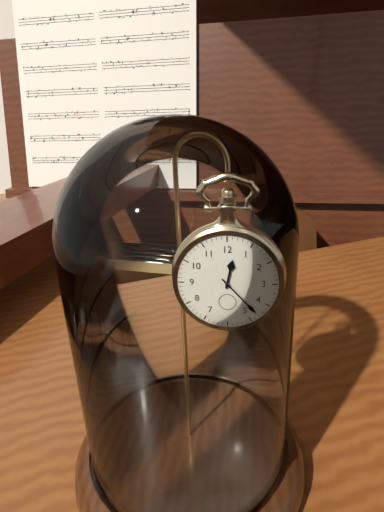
12:23
